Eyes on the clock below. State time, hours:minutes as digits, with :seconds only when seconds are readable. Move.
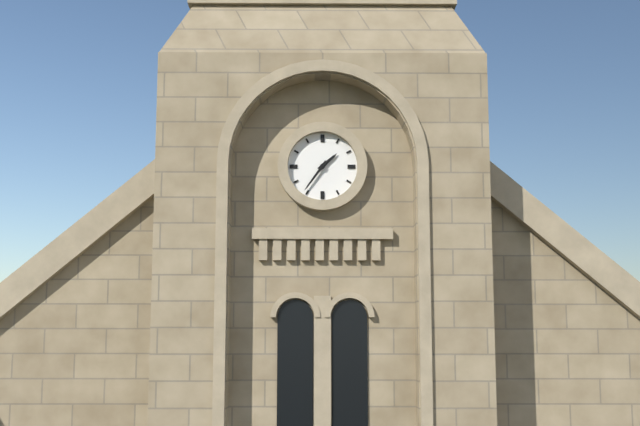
1:36
